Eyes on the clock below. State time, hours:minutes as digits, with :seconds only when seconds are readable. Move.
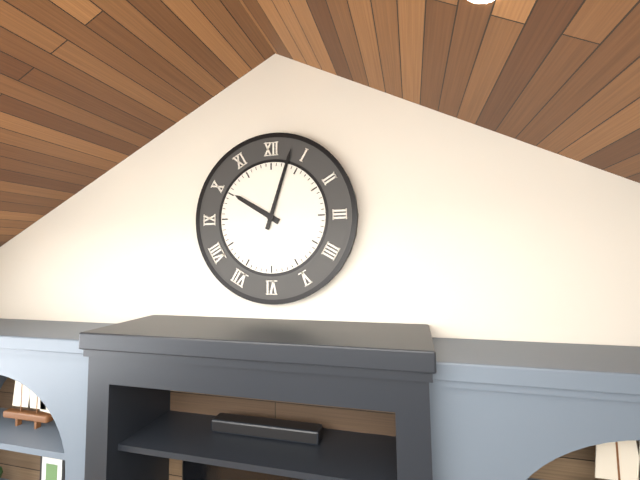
10:03
